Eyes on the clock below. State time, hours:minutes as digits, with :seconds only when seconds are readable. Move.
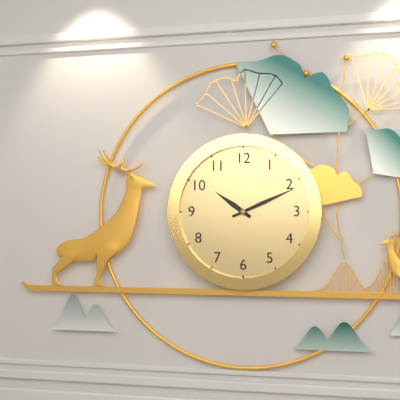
10:11
